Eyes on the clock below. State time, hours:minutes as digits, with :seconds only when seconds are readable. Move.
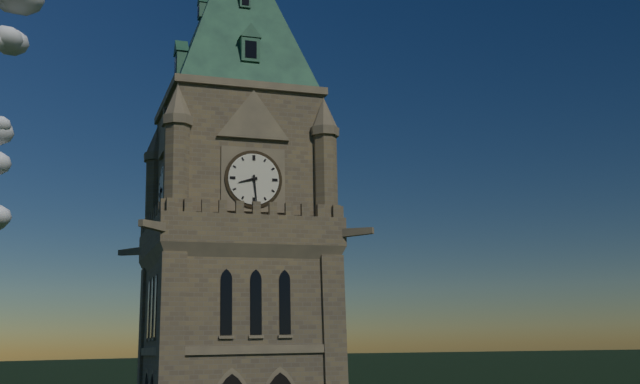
8:29
